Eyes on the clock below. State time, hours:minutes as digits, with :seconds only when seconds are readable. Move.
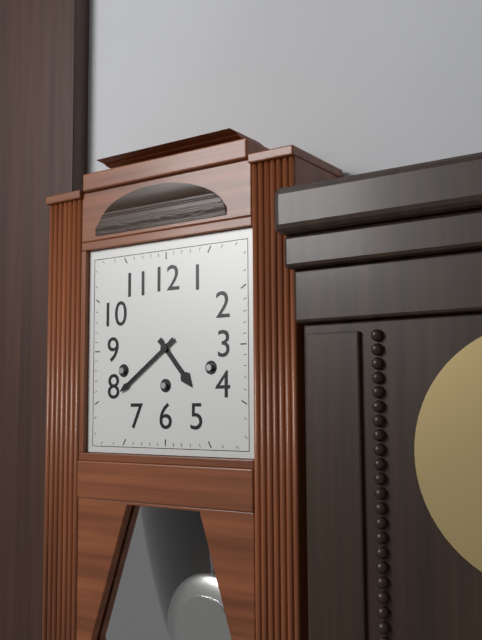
4:39
